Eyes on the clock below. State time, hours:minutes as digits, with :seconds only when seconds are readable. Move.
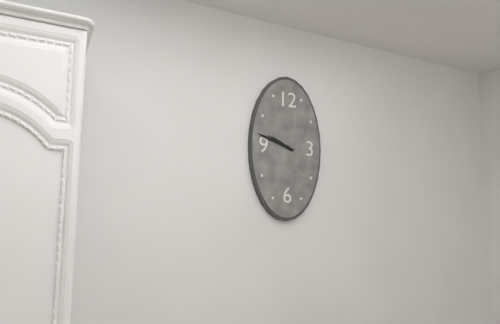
9:48
